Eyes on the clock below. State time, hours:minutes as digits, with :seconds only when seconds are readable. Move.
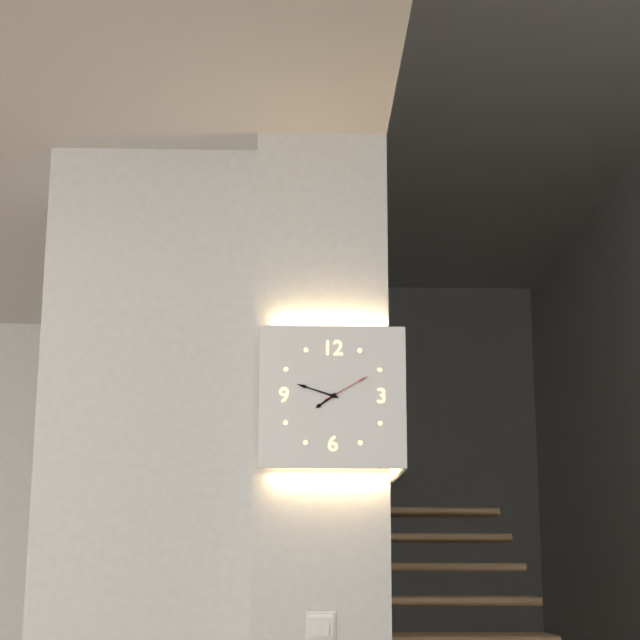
7:48:10
